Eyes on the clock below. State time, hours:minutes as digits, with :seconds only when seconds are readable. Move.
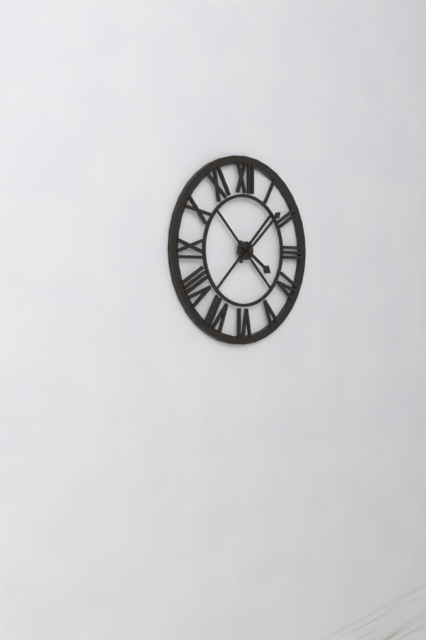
4:08
